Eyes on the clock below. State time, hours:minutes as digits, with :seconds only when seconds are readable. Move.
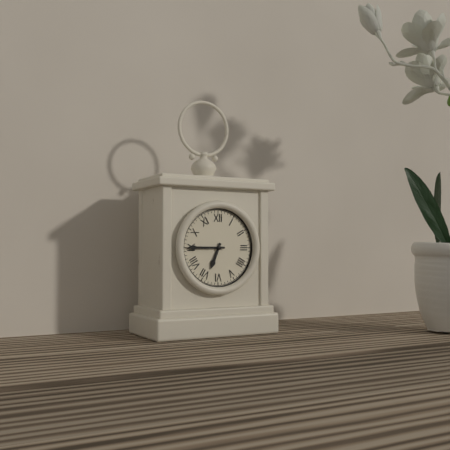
6:45
